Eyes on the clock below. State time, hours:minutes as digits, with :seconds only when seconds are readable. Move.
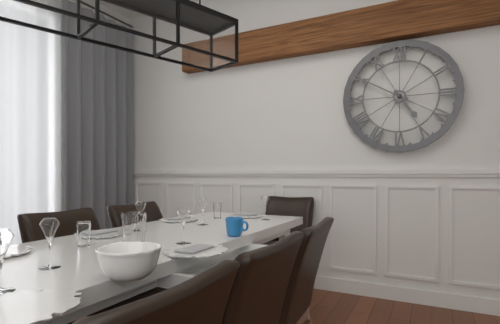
4:50
